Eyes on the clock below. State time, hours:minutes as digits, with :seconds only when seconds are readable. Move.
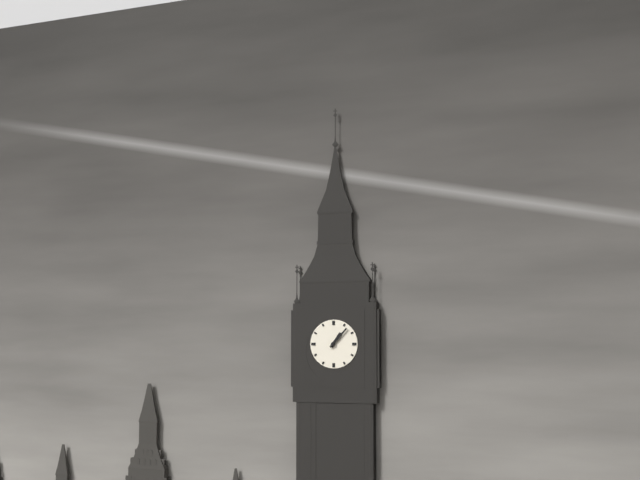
1:07
